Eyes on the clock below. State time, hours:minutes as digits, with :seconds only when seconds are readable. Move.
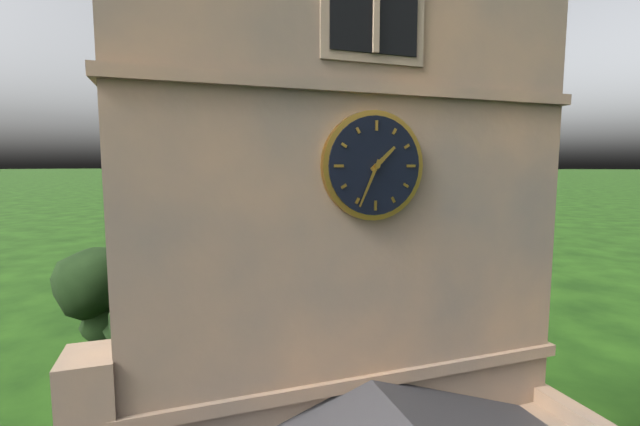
1:34
